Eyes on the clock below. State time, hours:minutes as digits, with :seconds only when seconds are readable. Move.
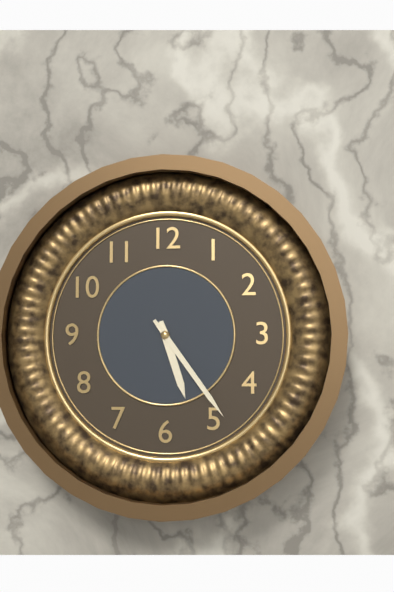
5:24
